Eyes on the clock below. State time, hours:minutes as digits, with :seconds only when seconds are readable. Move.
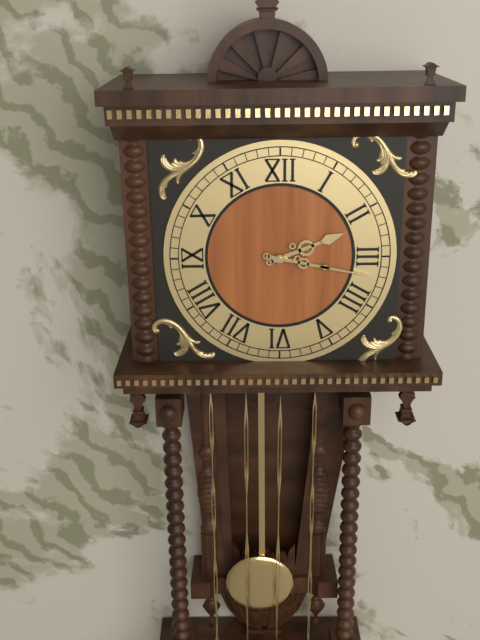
2:17
